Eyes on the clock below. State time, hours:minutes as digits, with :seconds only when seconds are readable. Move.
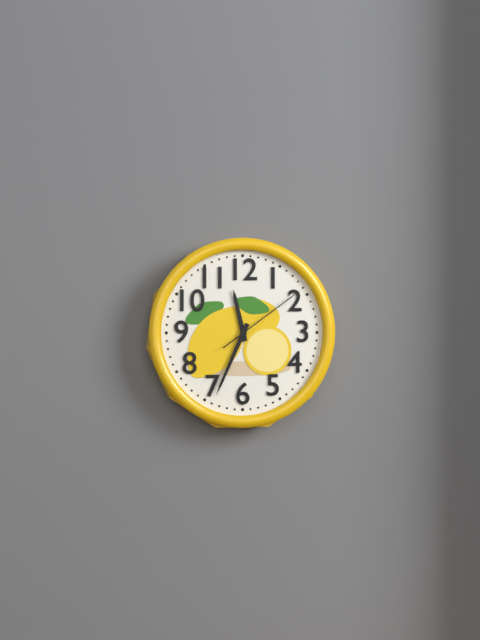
11:34:09
